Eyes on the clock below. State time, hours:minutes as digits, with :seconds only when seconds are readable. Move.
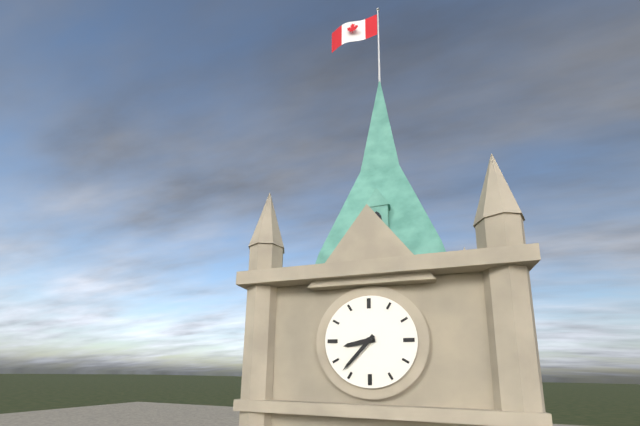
8:37
